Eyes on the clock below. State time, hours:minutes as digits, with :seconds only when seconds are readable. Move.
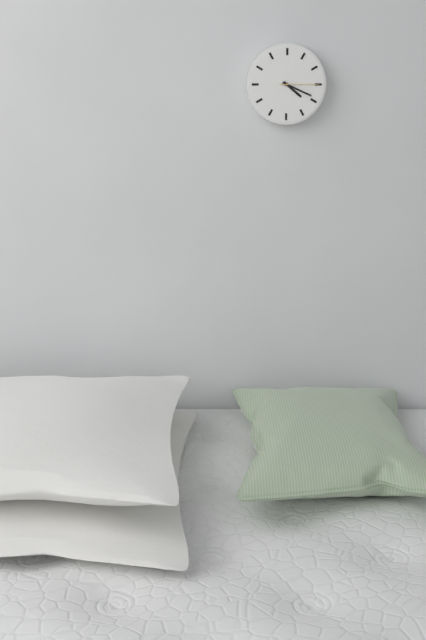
4:19
